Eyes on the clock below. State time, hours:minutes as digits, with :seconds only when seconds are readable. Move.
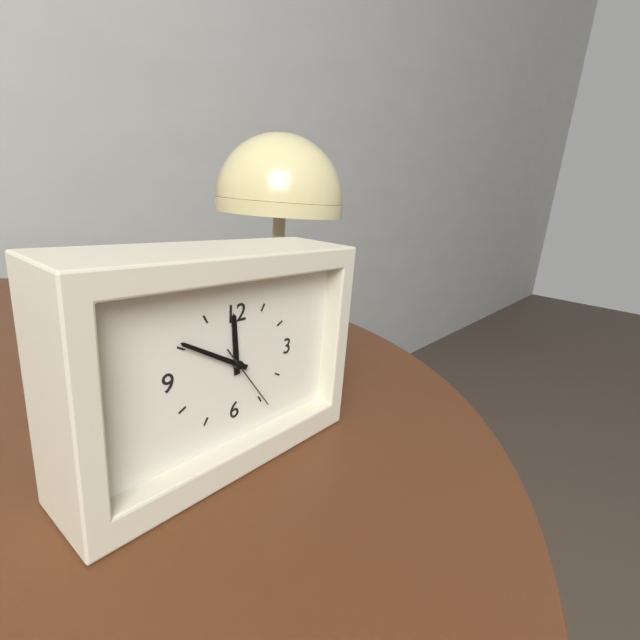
11:50:24
